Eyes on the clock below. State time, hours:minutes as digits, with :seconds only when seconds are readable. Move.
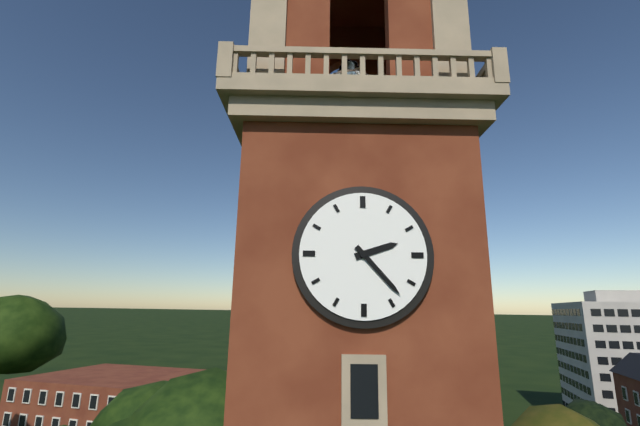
2:23
